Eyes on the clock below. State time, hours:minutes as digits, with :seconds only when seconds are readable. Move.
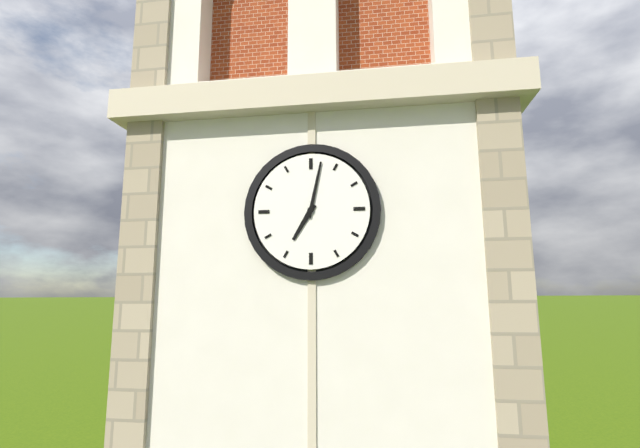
7:02
